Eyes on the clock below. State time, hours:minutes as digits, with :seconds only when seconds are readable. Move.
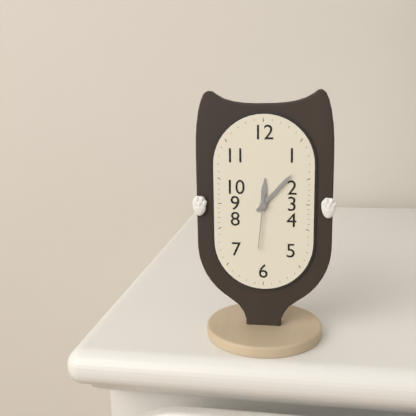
12:07:31
